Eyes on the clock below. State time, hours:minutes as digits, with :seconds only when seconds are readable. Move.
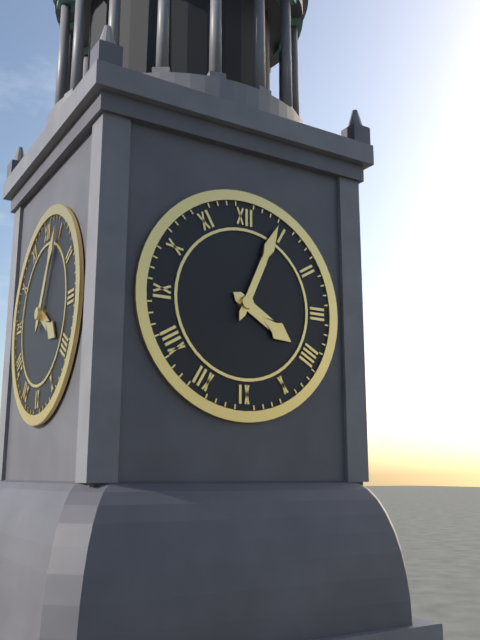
4:04
